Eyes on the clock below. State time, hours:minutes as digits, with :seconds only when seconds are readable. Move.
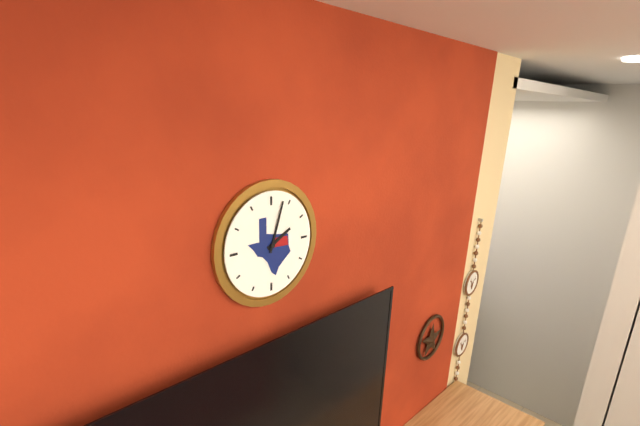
2:03
